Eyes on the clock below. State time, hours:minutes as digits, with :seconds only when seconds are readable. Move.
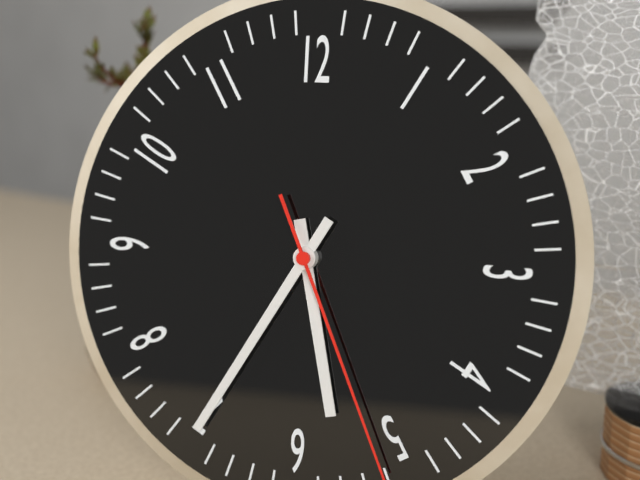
5:35
